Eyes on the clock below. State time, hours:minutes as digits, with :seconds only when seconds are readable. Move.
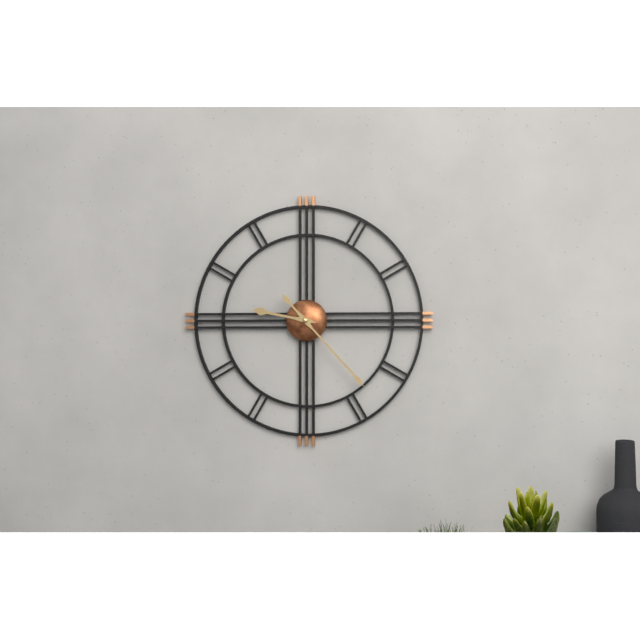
9:23
